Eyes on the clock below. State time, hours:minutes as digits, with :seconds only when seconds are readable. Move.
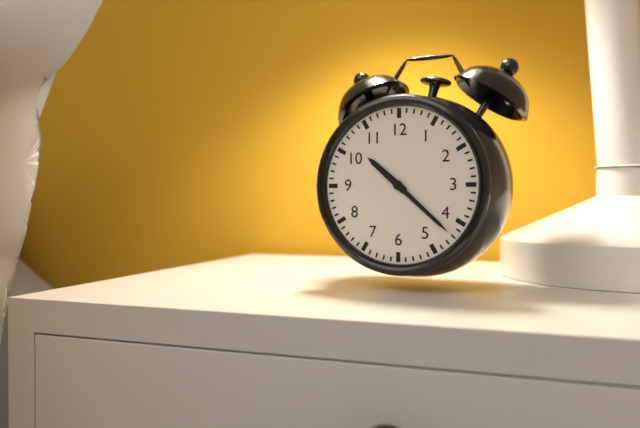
10:22
